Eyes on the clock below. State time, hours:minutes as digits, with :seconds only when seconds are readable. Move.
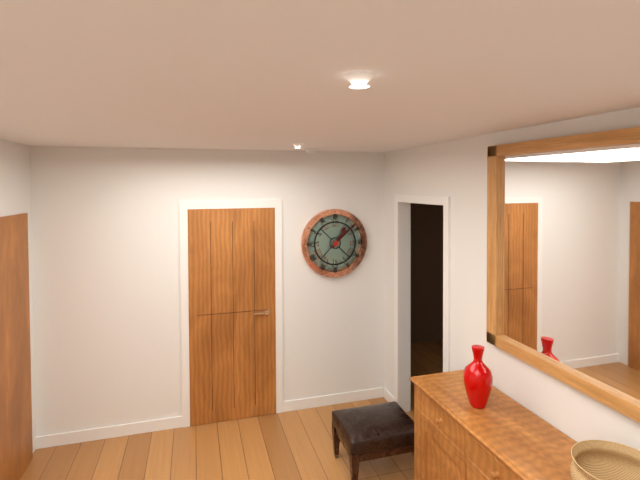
1:08
